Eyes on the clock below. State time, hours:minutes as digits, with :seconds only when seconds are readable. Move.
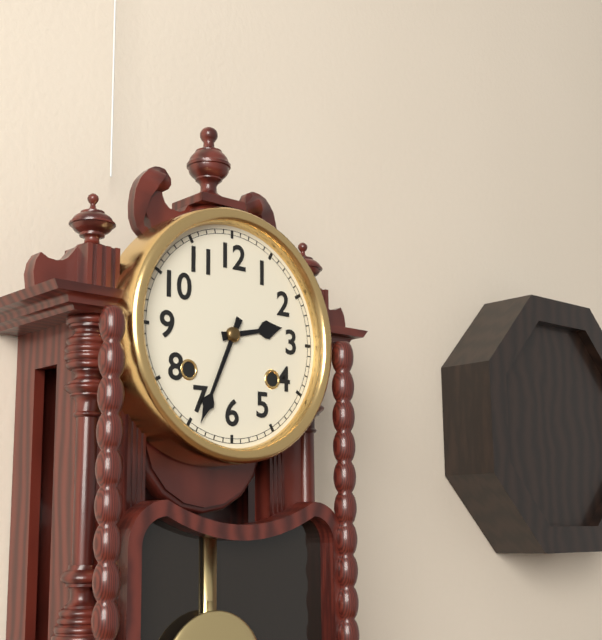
2:34
